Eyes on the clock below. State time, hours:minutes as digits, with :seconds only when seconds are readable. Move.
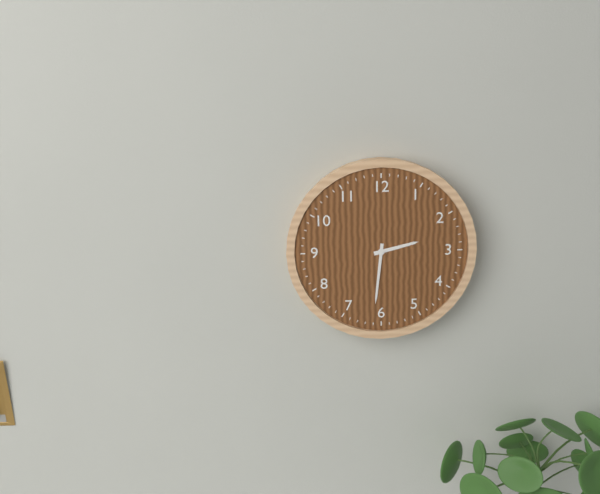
2:31
